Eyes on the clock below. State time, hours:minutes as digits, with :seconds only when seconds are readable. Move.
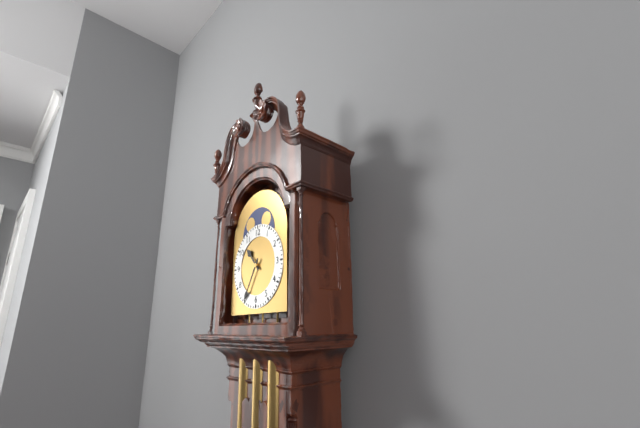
10:35
